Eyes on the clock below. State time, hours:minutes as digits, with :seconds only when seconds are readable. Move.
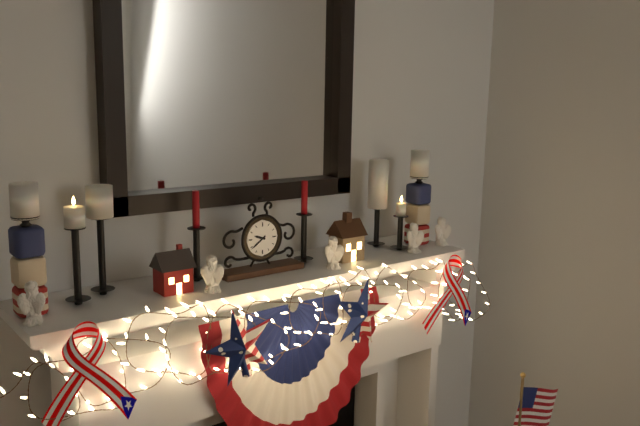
9:39
